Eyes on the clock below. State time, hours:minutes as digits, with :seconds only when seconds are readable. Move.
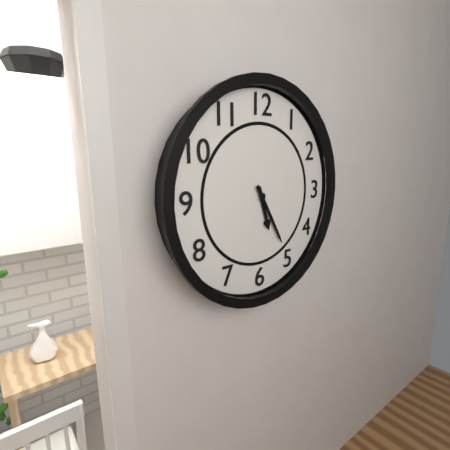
5:25
